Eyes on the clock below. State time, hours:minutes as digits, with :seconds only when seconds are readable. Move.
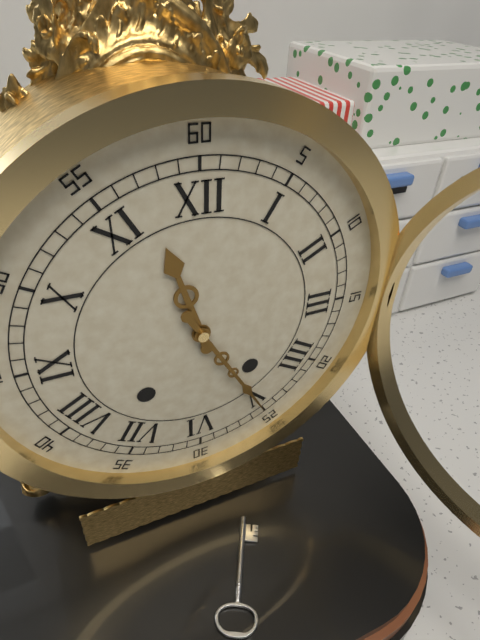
11:25
